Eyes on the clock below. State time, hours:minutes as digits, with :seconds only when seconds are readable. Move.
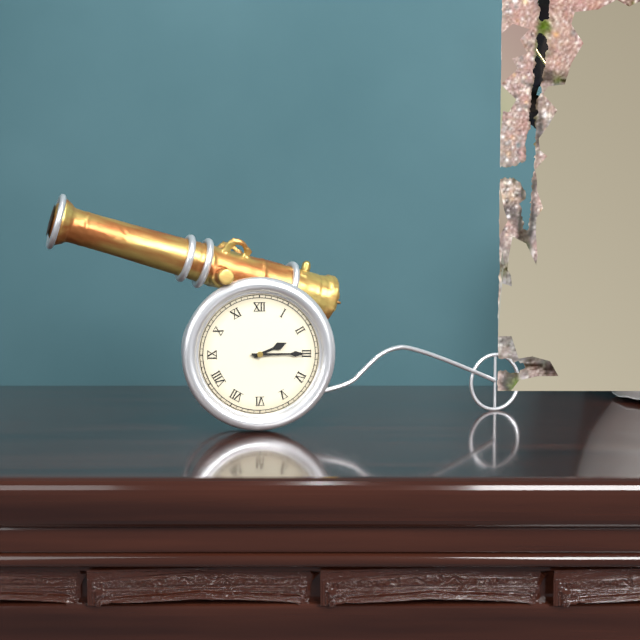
2:15
